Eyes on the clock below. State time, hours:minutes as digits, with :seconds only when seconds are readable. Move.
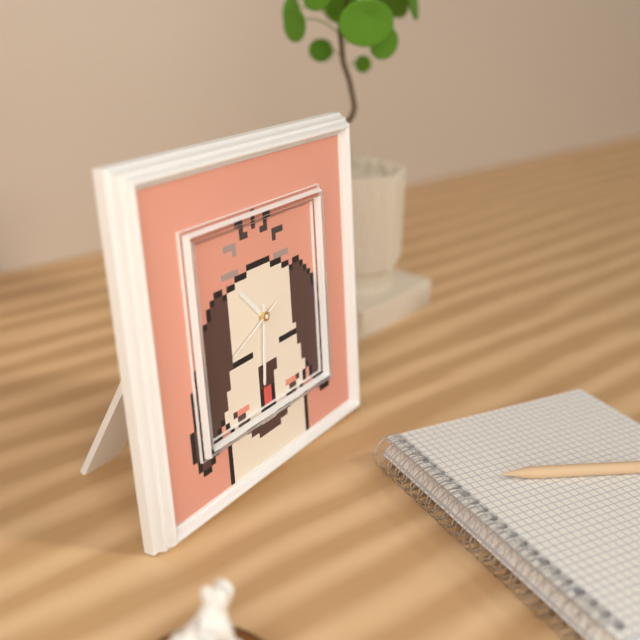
10:31:41
